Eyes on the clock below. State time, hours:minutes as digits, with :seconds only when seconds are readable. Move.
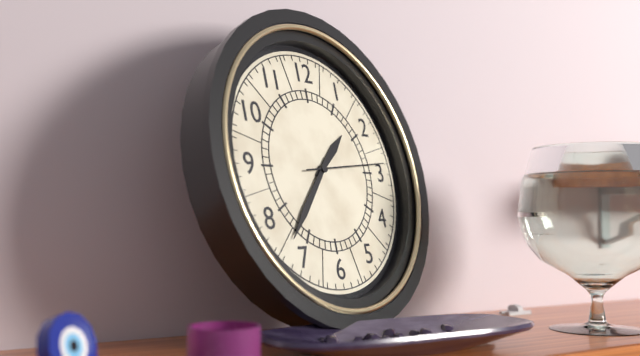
1:37:14
